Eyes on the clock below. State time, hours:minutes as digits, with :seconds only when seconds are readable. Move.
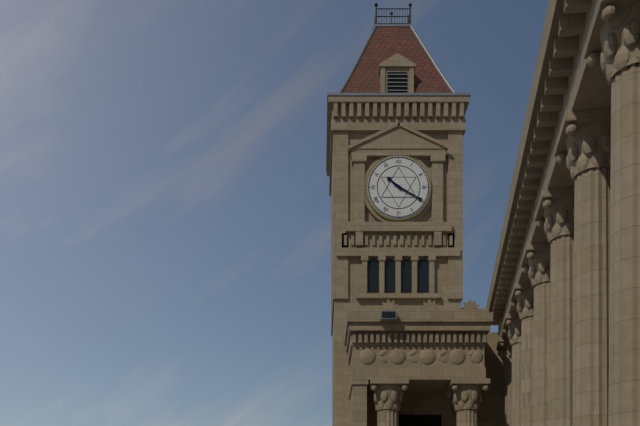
10:20
